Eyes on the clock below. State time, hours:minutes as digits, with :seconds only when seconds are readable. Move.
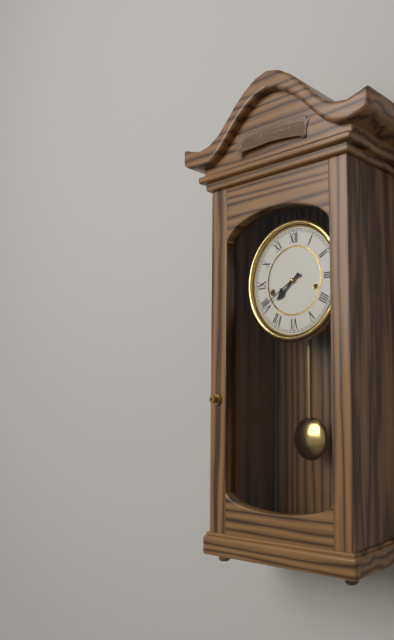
7:40
